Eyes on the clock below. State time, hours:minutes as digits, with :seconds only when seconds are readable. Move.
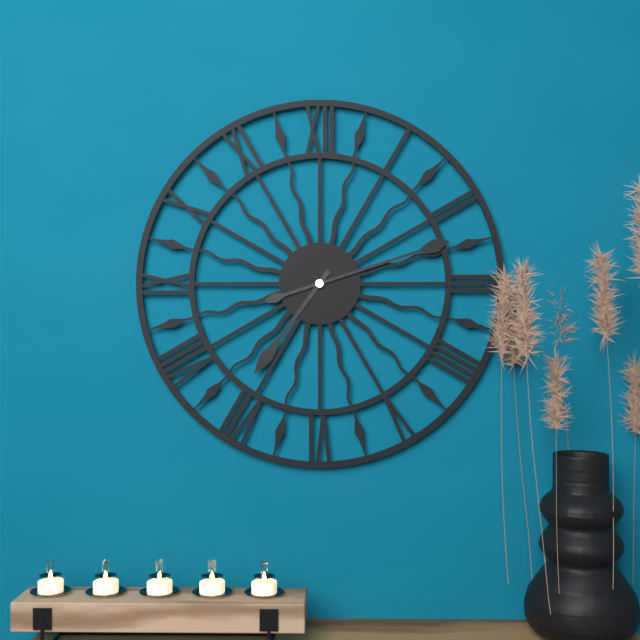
7:12
